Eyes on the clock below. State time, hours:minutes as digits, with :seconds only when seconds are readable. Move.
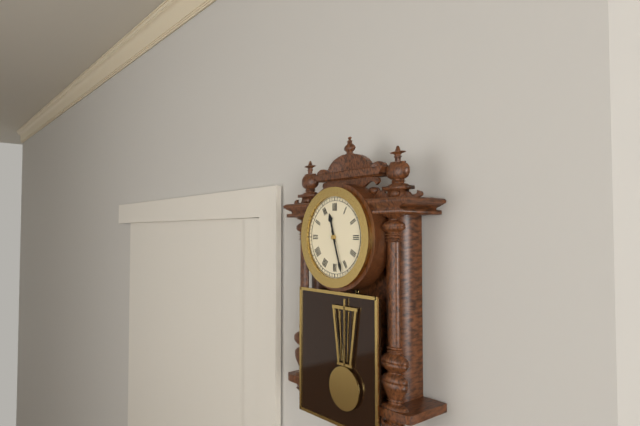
11:27
